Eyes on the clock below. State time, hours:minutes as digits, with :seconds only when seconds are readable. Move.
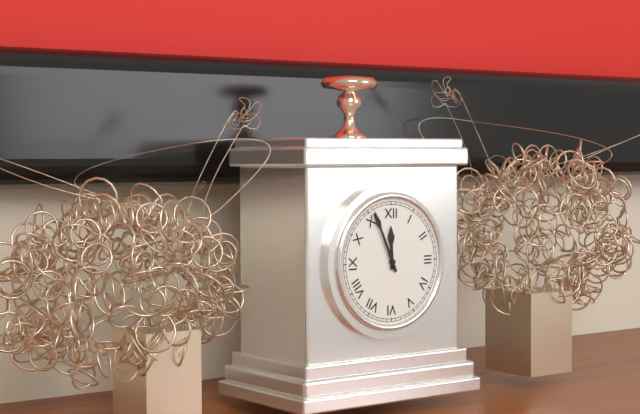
11:56
